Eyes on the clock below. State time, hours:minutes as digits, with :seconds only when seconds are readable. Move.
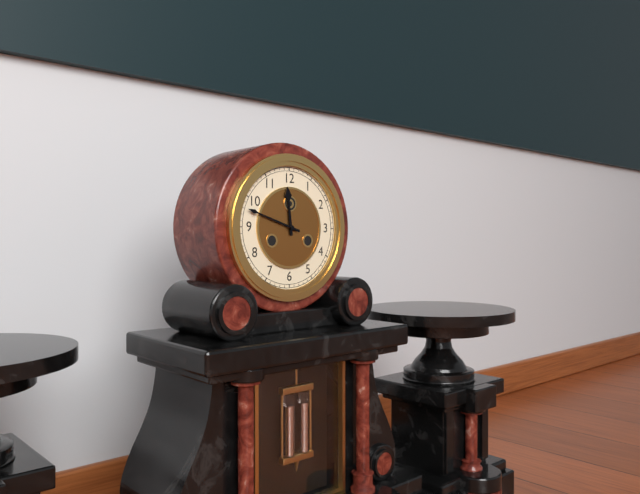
11:48
